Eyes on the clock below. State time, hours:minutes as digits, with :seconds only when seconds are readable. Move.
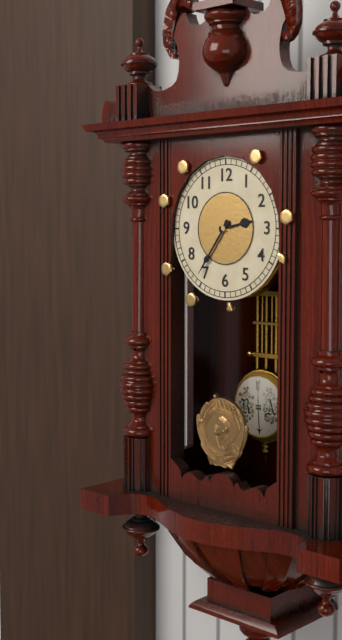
2:36
